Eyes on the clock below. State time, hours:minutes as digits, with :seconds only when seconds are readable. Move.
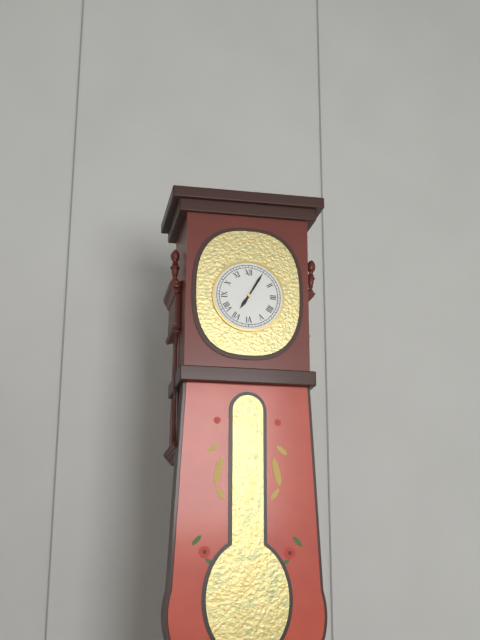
7:05
